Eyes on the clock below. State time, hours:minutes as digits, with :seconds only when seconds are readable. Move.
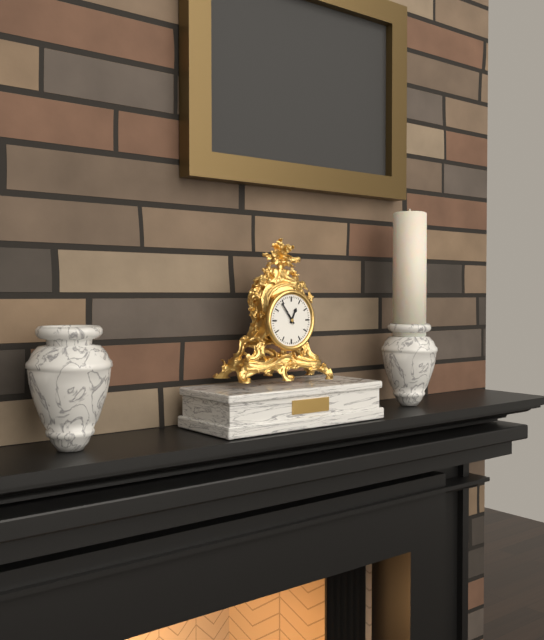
12:54
